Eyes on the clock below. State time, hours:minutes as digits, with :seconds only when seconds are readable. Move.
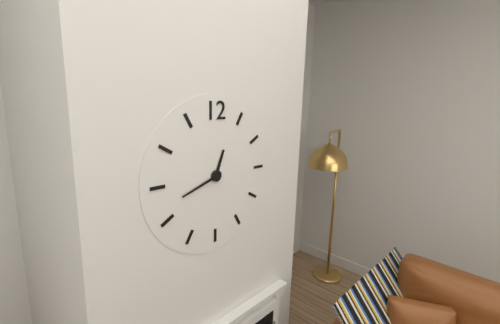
12:42
